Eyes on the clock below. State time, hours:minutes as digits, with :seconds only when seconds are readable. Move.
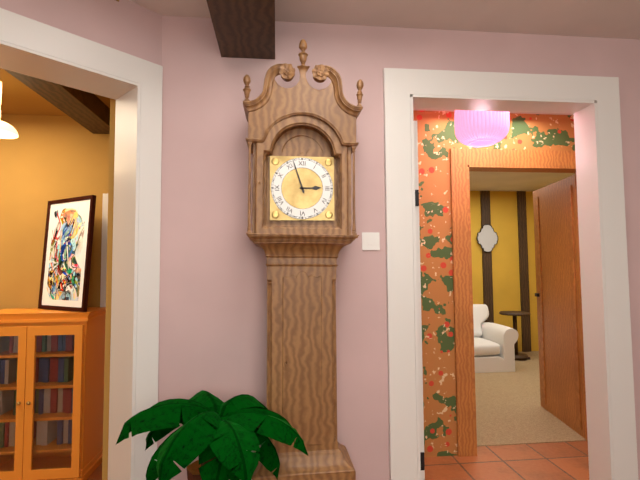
2:57
